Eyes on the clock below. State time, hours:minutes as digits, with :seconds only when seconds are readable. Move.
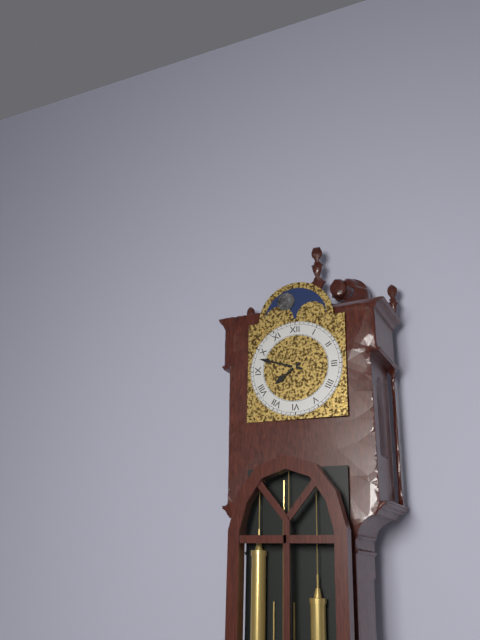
7:48
